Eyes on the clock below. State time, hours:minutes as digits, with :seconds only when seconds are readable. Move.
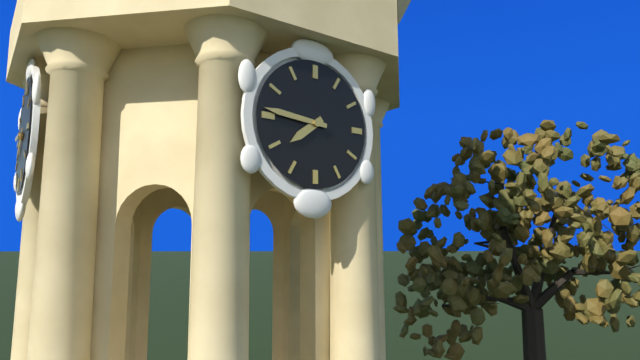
7:46
